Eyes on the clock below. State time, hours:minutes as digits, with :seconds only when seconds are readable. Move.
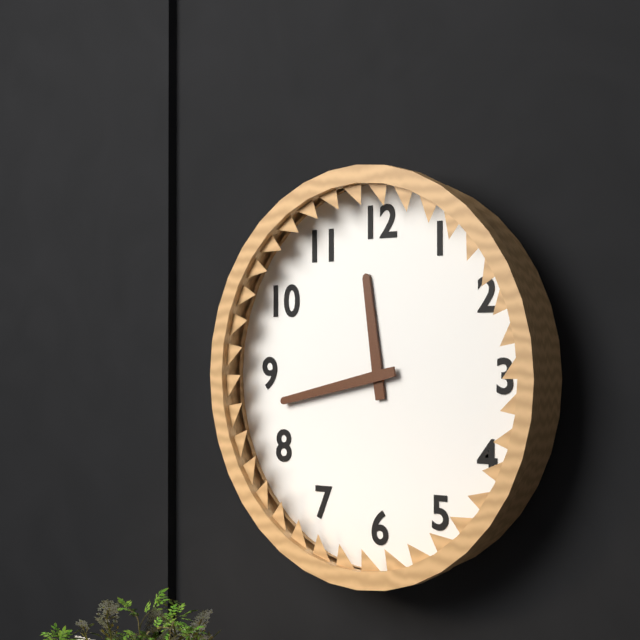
11:43
